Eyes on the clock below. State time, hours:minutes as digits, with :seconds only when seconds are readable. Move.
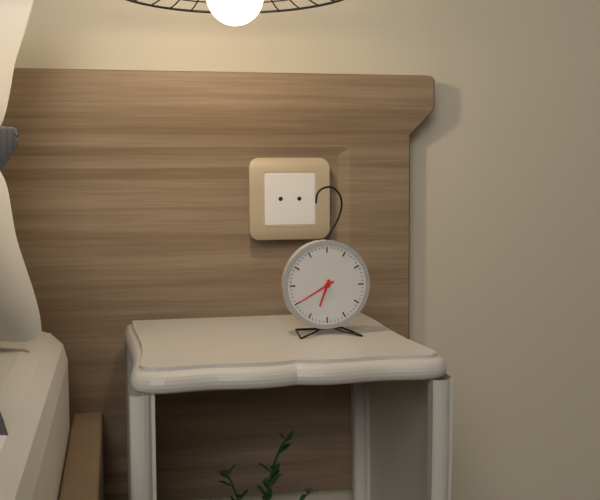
6:40
